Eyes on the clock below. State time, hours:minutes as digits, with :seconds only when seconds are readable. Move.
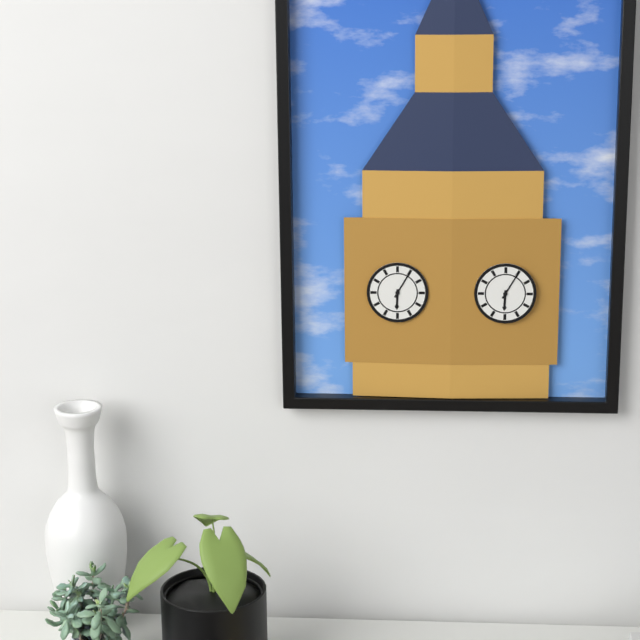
6:05
